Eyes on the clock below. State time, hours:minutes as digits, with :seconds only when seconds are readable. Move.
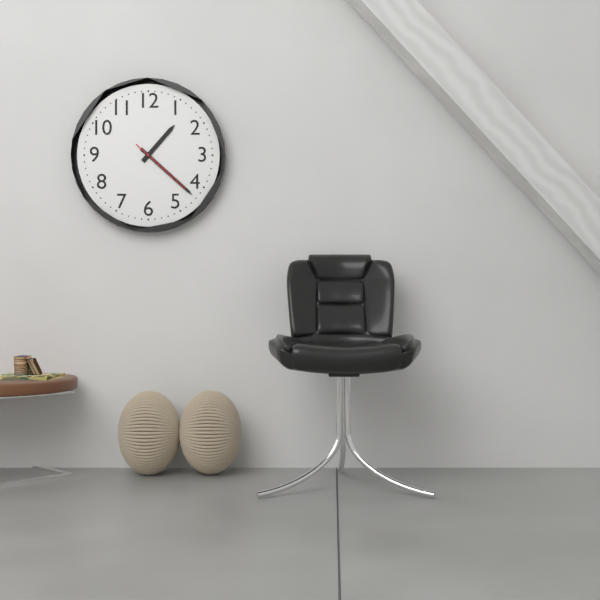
1:22:22
